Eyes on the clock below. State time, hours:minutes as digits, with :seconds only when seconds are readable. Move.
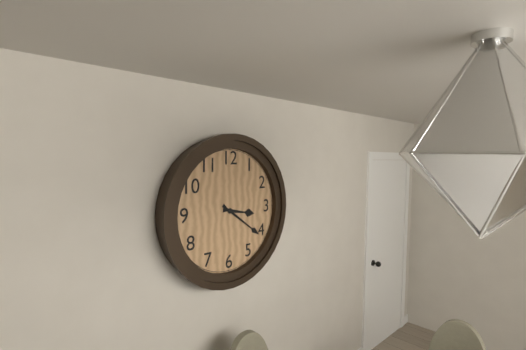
3:21
